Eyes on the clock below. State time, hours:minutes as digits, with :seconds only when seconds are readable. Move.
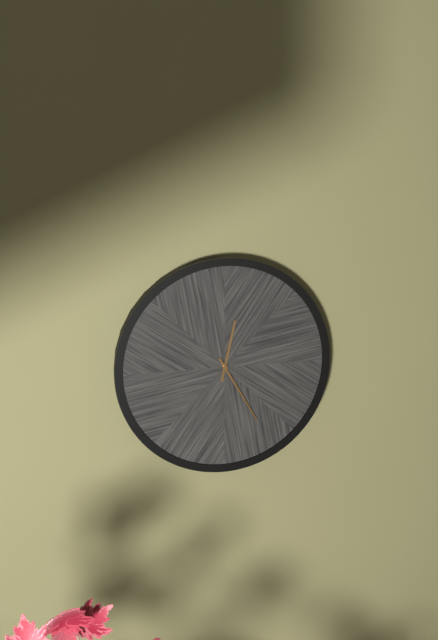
12:25
